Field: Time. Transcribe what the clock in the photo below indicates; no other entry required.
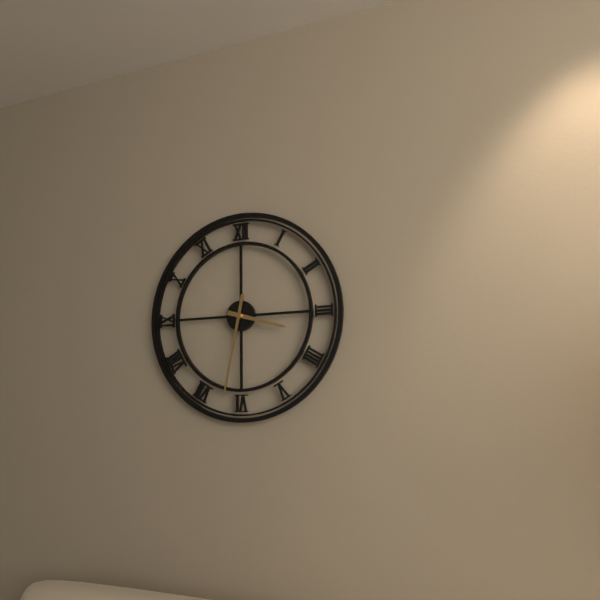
3:32
